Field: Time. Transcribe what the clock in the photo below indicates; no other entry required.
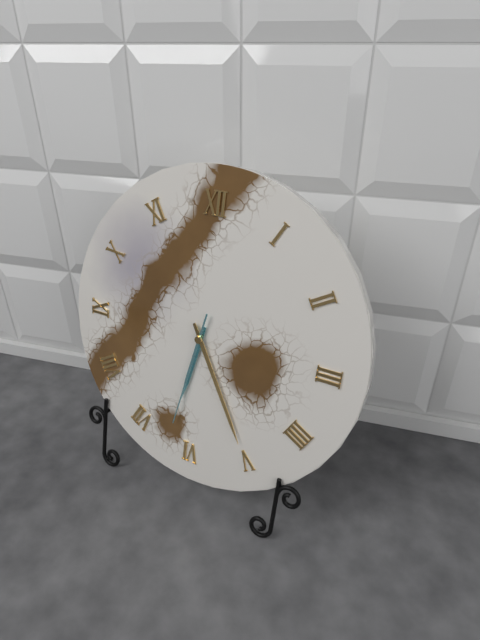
6:25:32
